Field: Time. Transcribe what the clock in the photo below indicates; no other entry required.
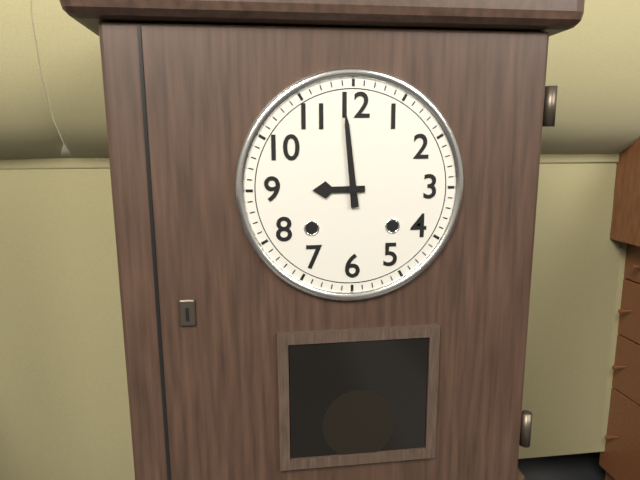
8:59
